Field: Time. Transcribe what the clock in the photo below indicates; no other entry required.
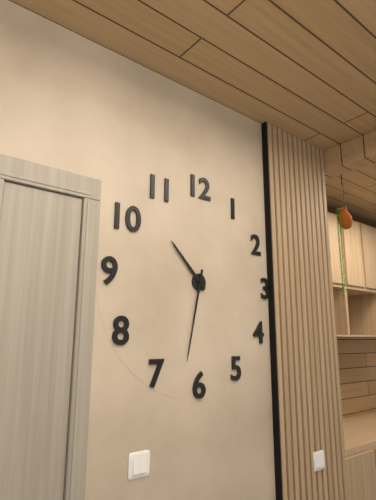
10:32
